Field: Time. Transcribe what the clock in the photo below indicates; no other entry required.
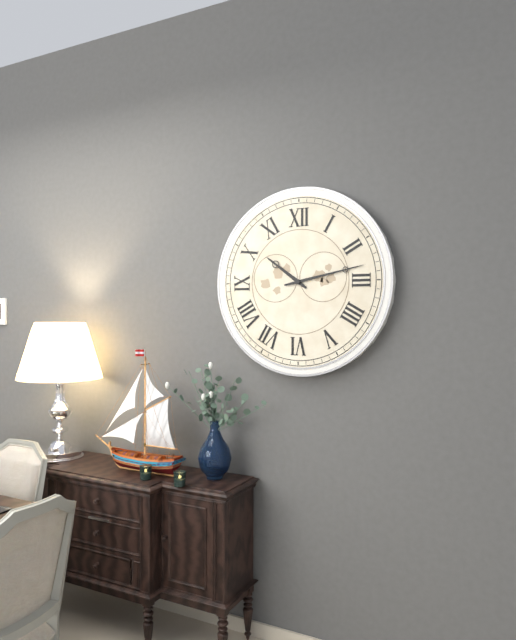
10:13
